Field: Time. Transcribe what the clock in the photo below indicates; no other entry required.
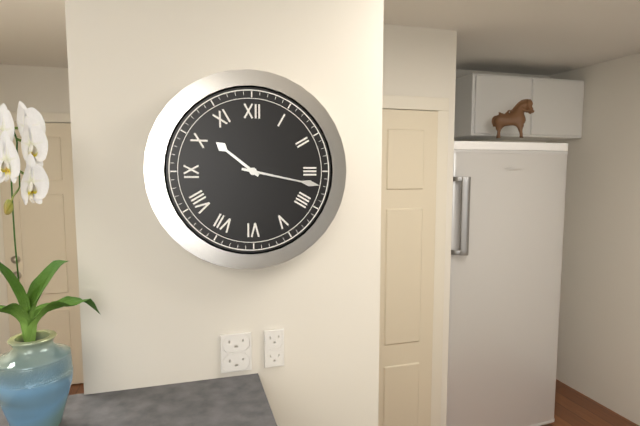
10:17
